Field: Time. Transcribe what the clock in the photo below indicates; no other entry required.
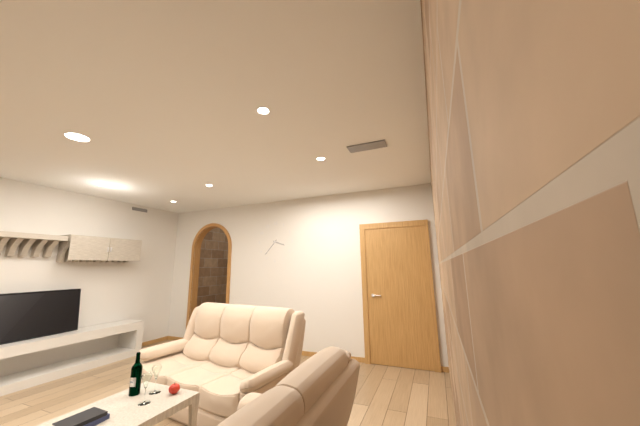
3:37
